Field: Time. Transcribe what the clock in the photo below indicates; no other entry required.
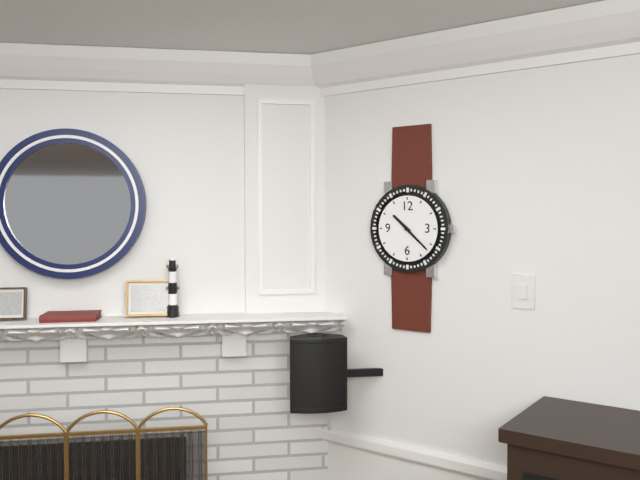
10:22
